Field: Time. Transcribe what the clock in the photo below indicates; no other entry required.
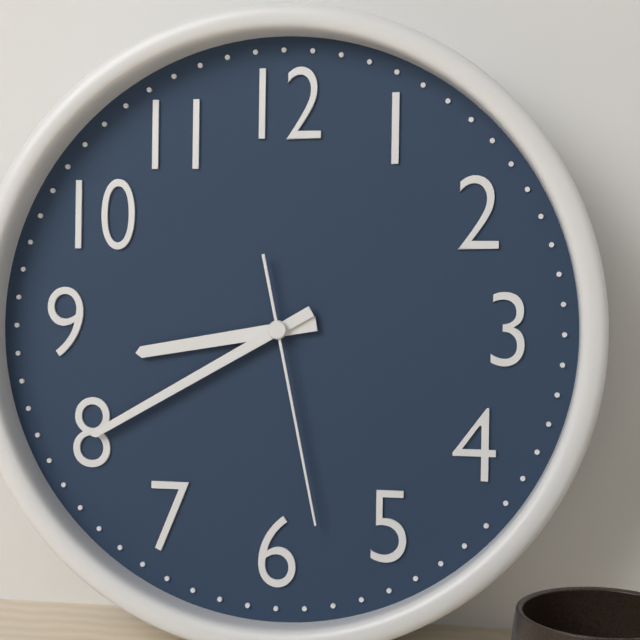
8:40:28
